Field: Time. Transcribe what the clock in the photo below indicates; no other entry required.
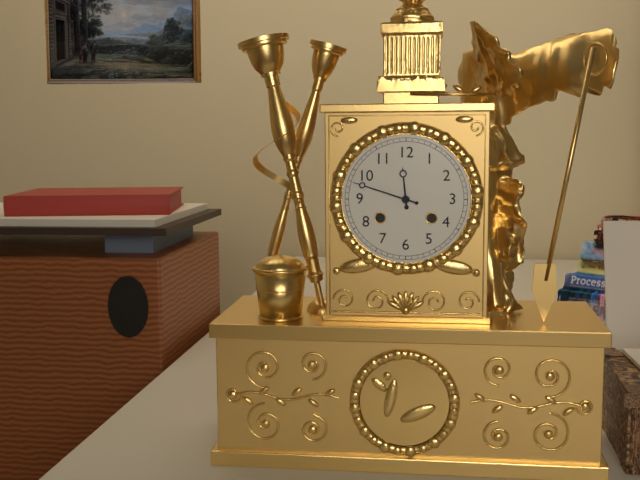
11:48
